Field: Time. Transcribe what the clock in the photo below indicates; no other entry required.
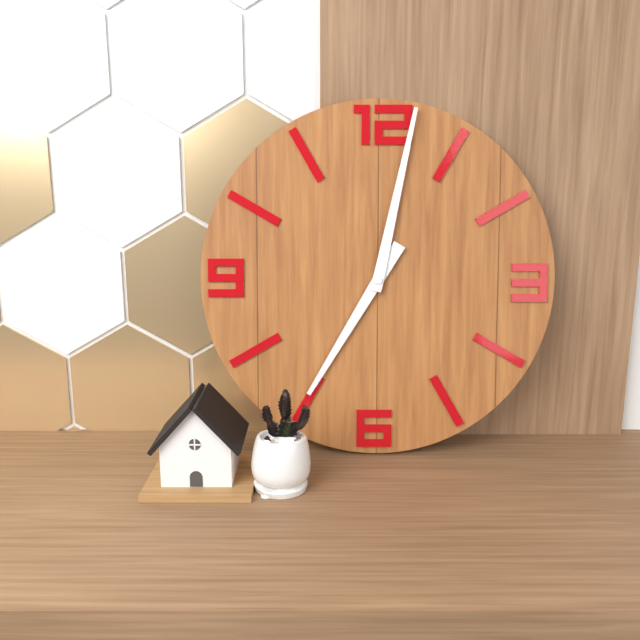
7:02
